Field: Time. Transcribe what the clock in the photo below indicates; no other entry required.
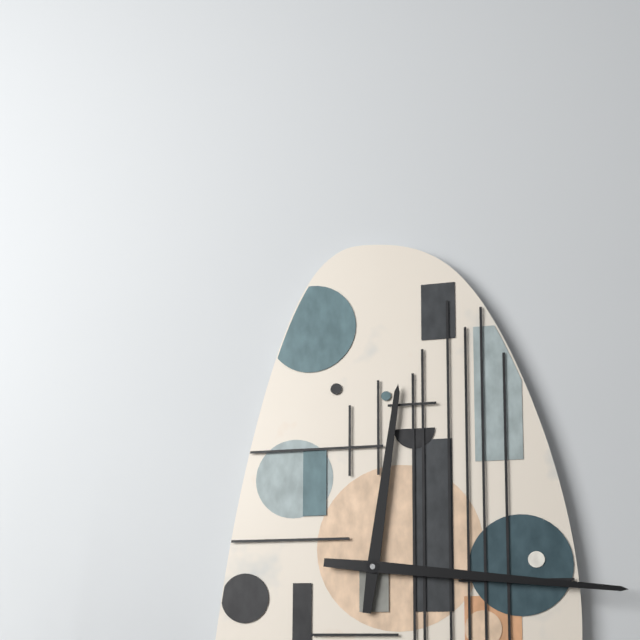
12:16
